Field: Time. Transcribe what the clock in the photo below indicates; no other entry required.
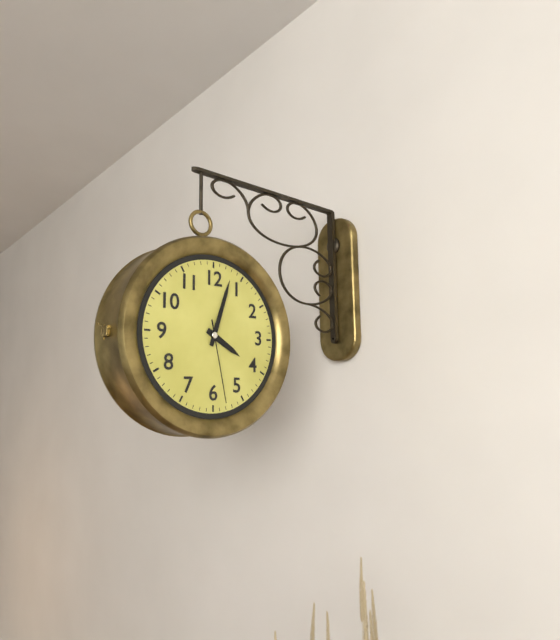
4:03:28
